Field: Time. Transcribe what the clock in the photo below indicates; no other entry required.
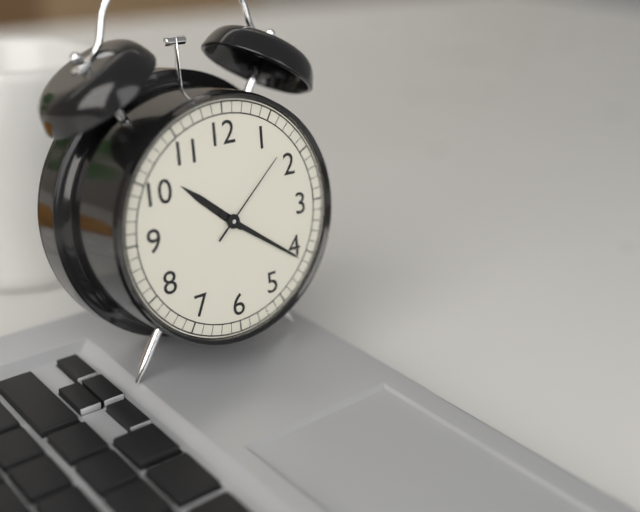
10:21:08
